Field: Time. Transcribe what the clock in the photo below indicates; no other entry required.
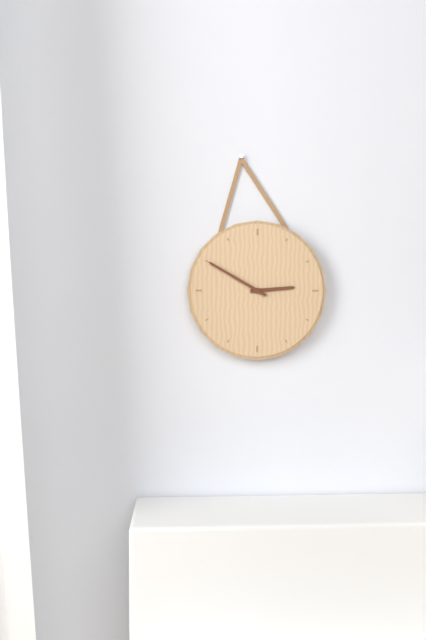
2:50
